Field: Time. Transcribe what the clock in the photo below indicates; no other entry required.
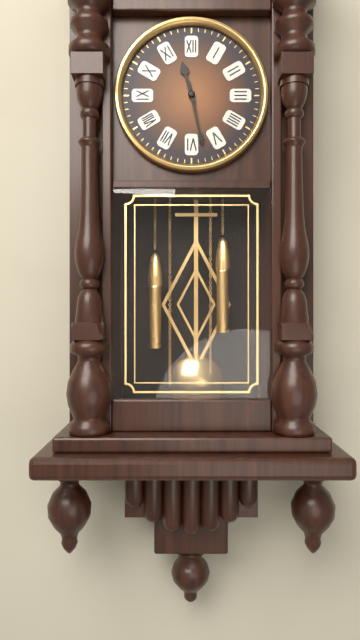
11:28
